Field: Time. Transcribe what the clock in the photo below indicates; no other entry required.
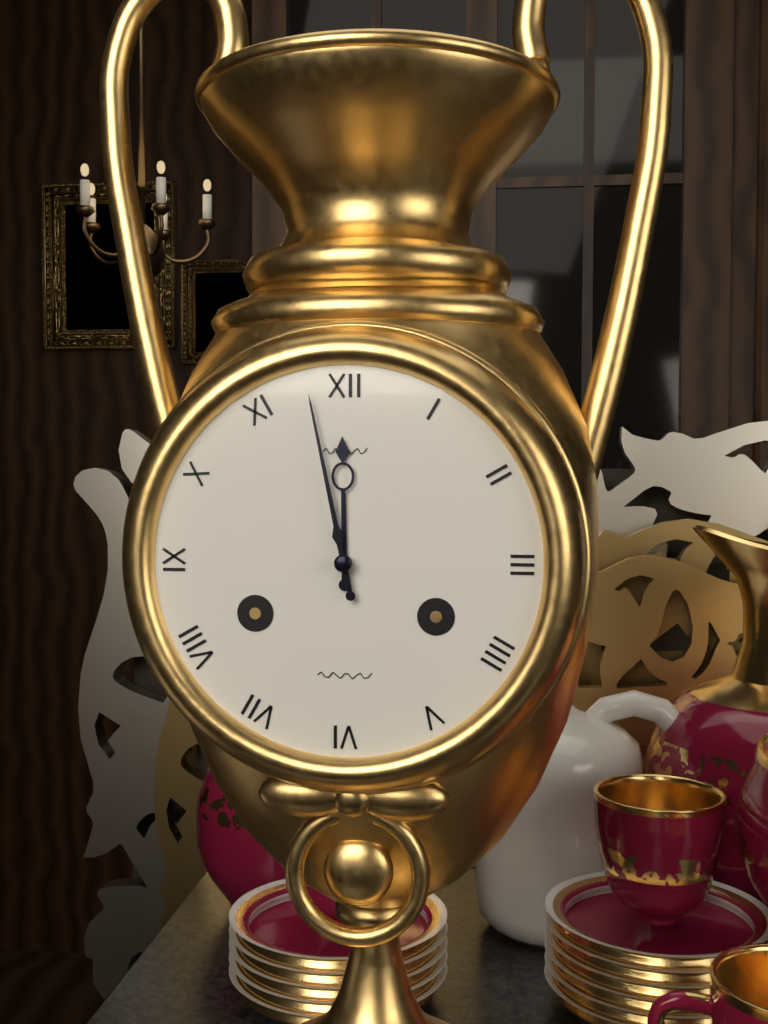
11:58
